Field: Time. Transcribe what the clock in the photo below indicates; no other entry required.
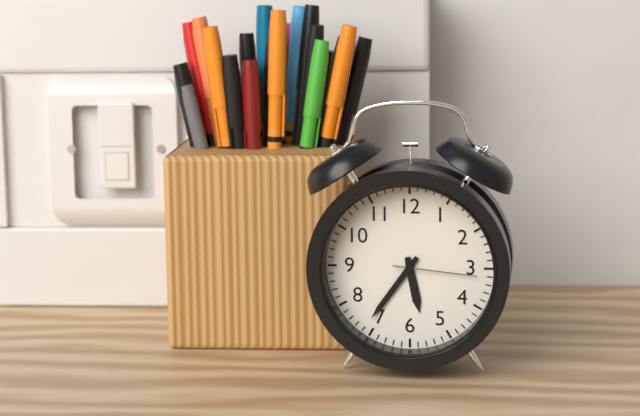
5:36:16
